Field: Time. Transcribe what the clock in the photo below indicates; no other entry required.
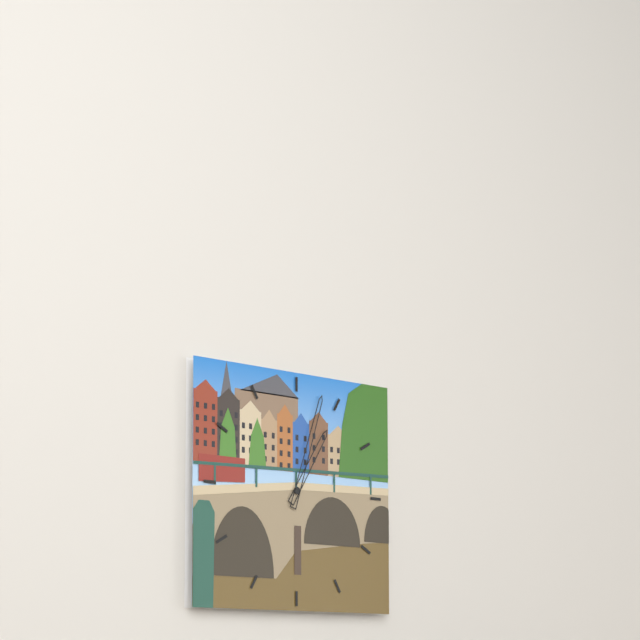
1:03
